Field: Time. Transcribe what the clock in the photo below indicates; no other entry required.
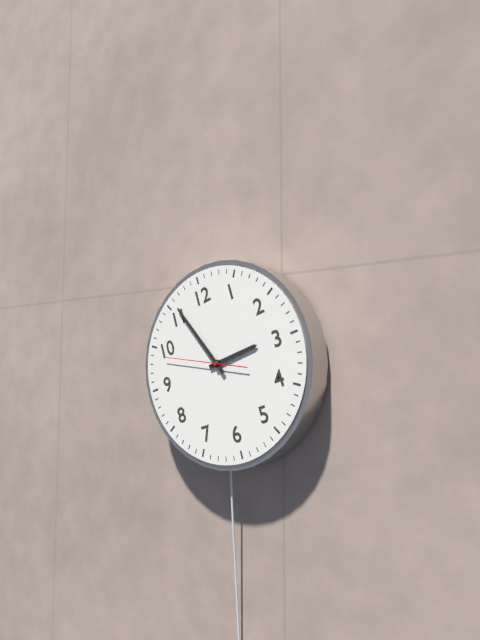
2:56:49
